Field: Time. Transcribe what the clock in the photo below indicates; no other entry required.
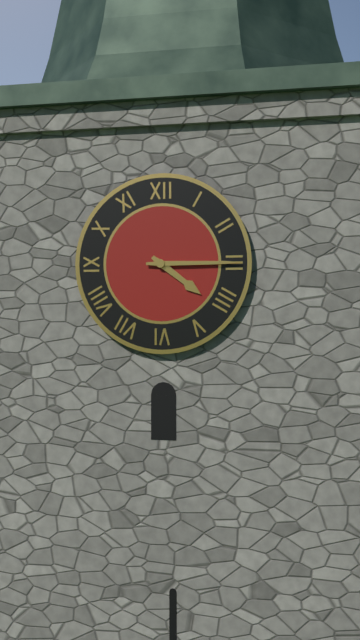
4:15
